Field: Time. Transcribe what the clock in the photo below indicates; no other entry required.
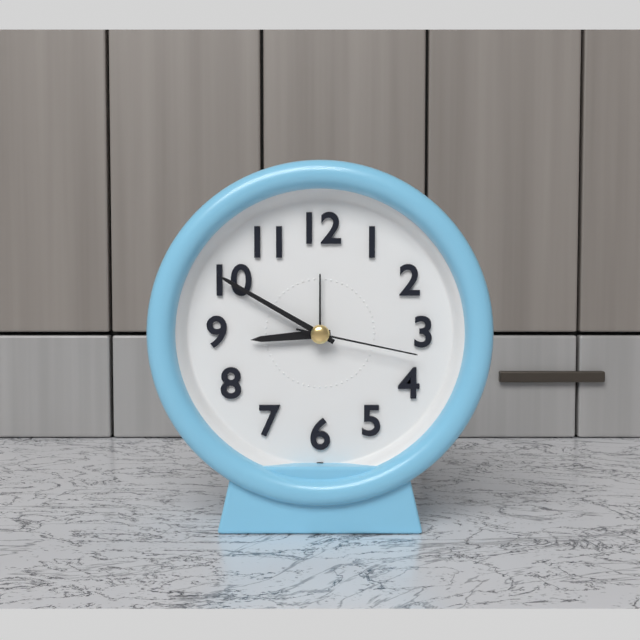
8:50:17
